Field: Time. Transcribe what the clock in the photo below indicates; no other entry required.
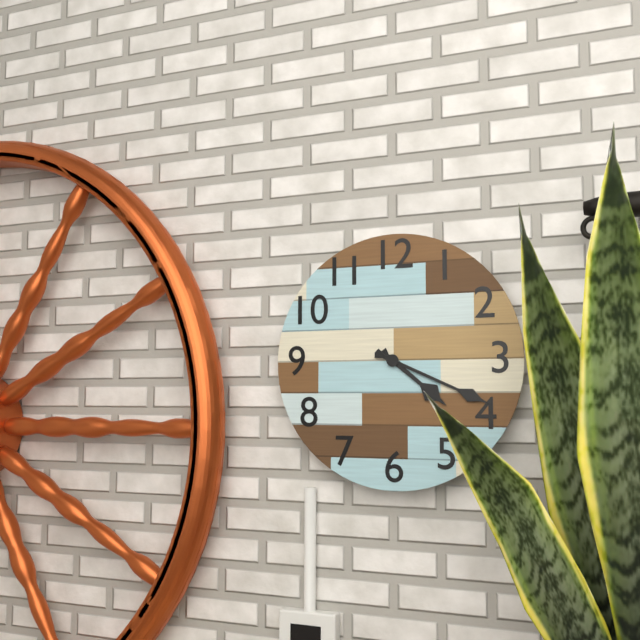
4:19
